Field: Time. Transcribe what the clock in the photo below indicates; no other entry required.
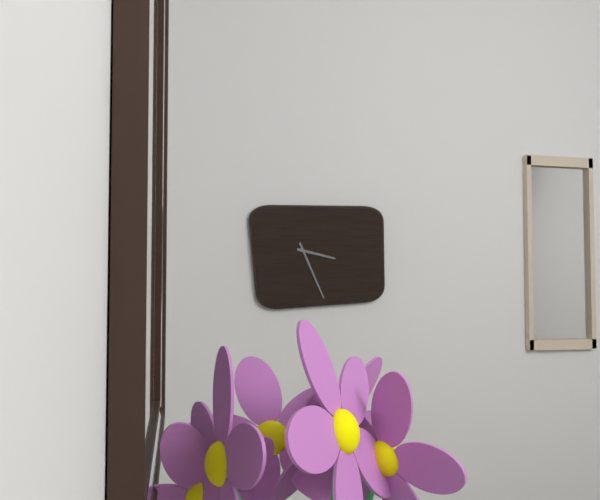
3:26
